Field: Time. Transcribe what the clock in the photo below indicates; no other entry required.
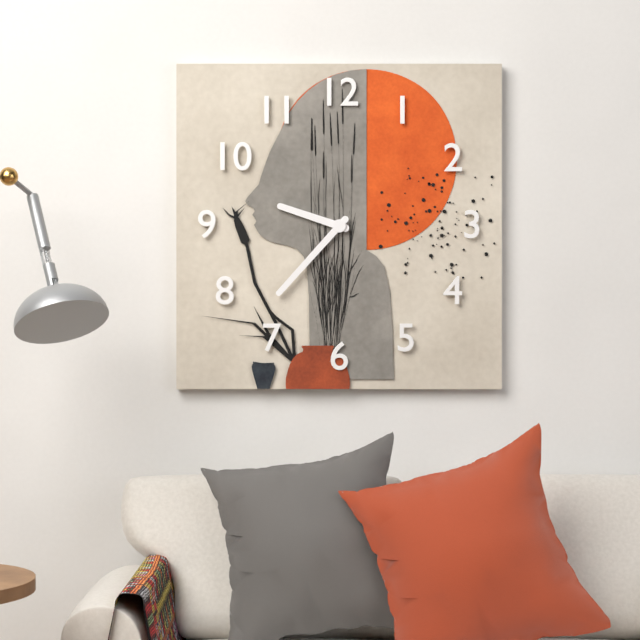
9:37
